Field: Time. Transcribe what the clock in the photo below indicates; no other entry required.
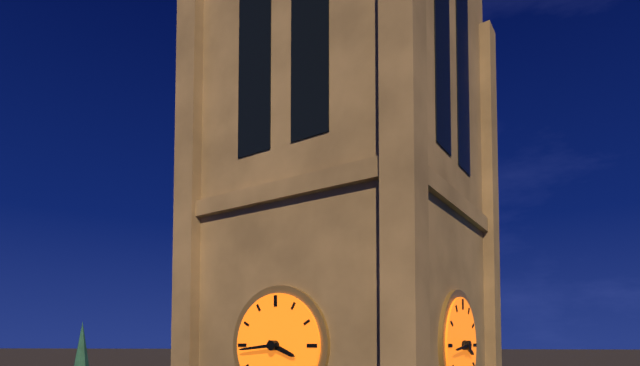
3:44
